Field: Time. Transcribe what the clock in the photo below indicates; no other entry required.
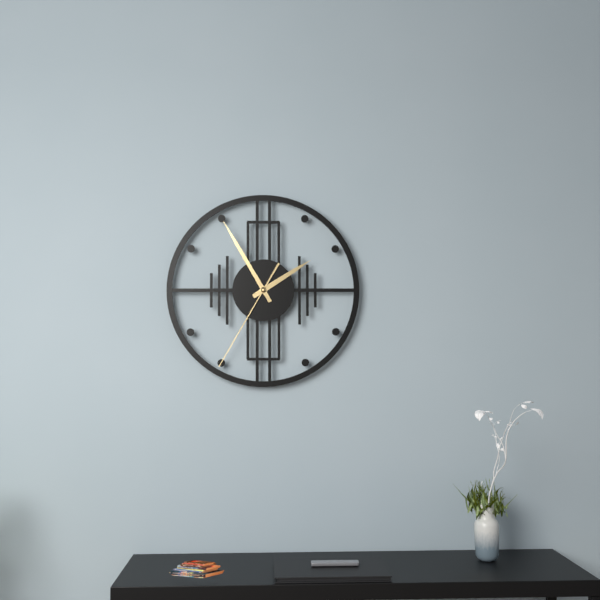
1:55:35
